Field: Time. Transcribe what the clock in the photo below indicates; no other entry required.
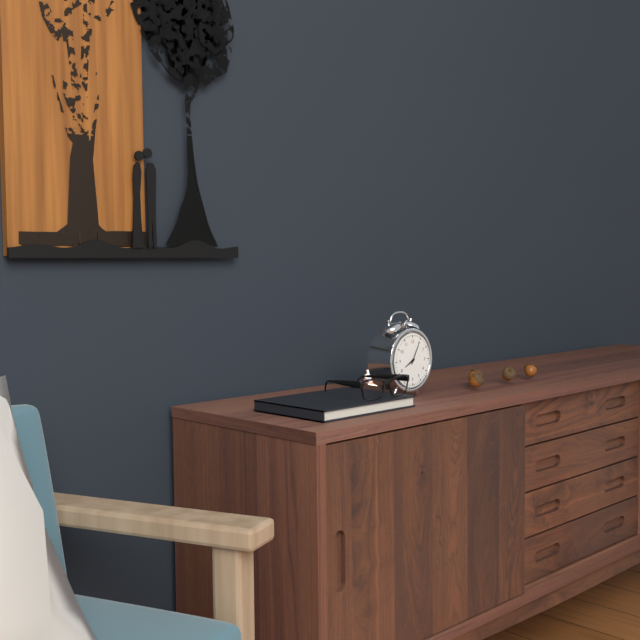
8:05
